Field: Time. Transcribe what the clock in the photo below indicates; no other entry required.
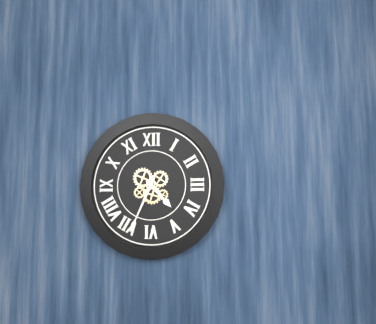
4:34
